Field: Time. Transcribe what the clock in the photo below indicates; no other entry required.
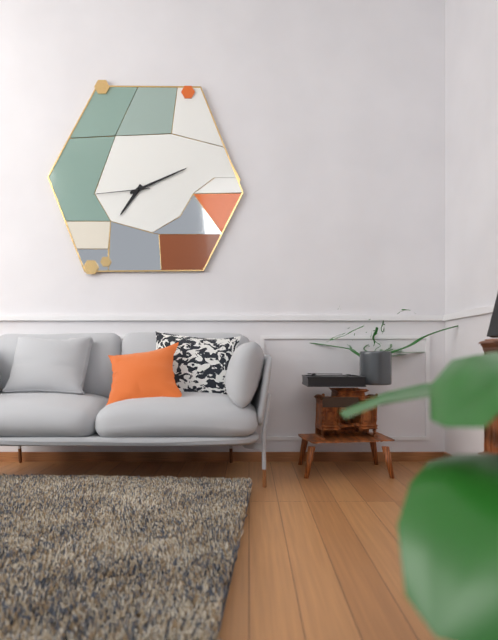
7:11:44
